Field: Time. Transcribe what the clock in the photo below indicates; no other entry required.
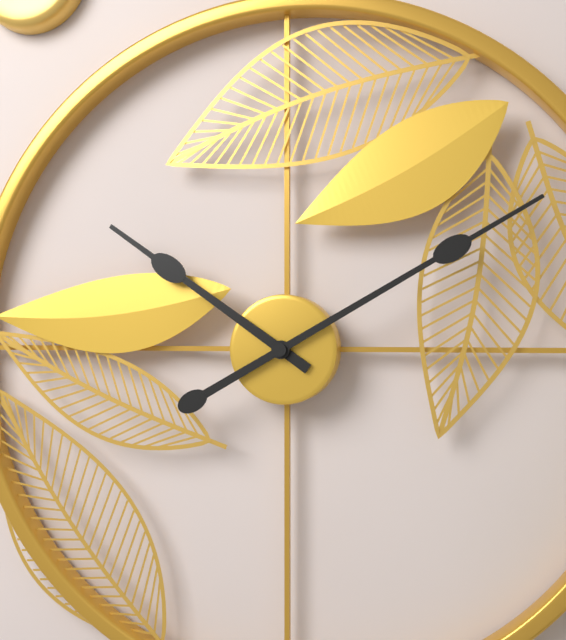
10:10
